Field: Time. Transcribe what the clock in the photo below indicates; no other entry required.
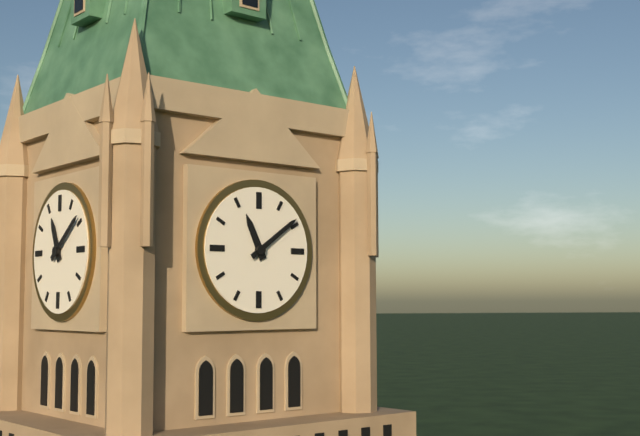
11:09
